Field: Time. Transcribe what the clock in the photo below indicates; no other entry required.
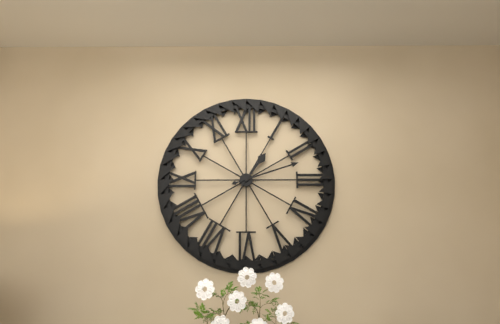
1:12
